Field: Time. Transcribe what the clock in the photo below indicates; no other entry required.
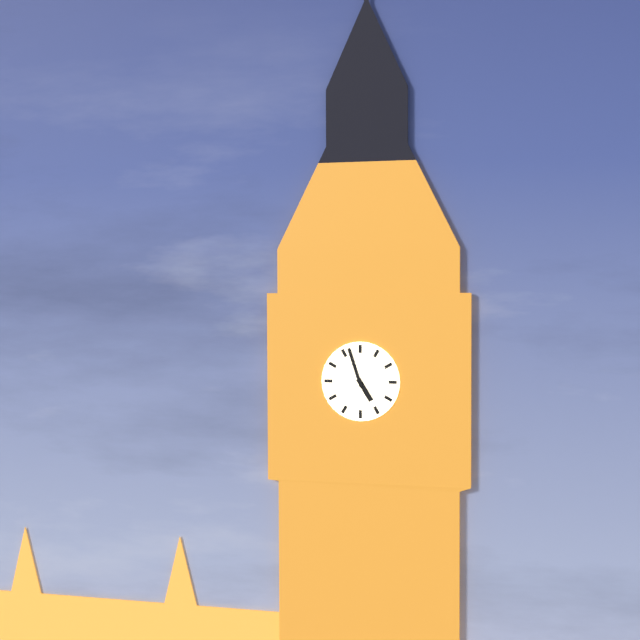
4:57
